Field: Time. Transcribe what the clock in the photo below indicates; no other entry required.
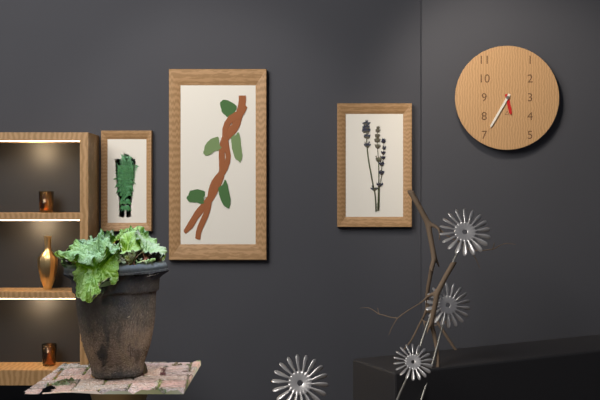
5:35
